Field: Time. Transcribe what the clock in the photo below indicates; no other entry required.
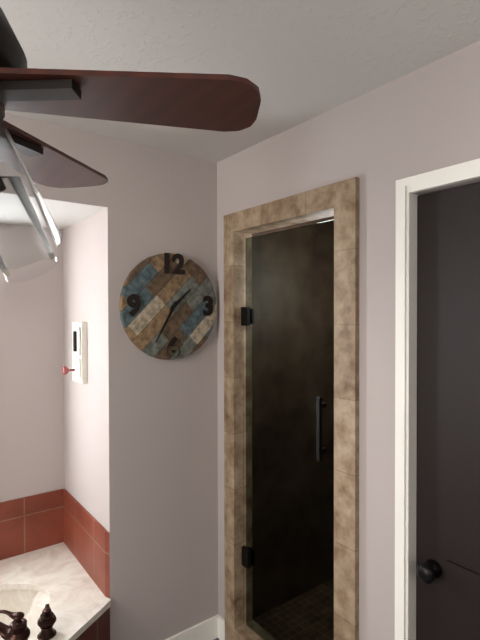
1:35
